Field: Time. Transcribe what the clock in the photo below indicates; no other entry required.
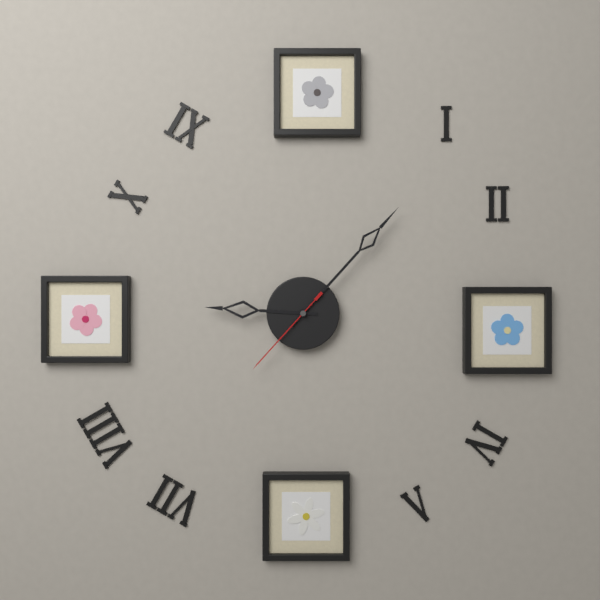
9:07:37
